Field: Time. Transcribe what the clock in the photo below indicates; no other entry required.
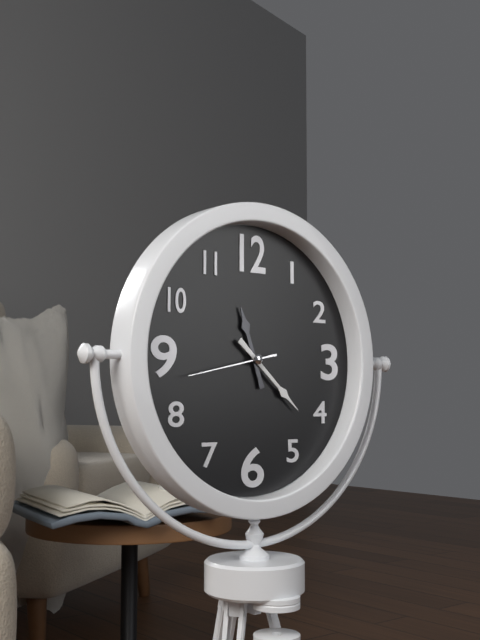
11:22:43
